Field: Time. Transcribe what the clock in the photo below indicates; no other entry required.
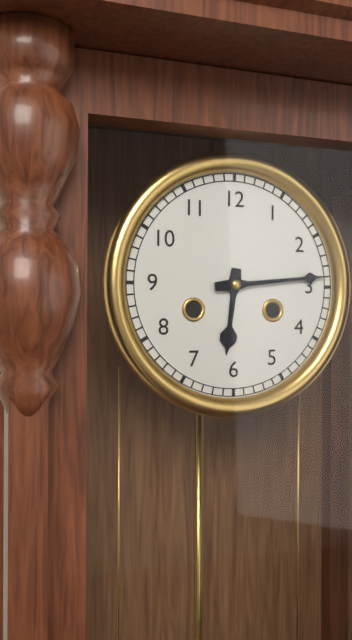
6:14
